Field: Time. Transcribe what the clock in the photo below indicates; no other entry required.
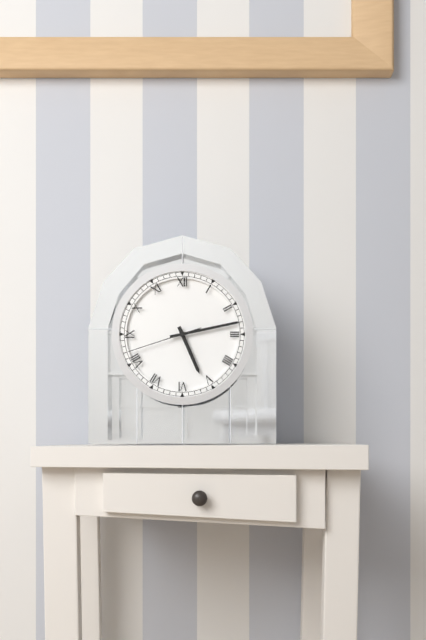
5:13:42
